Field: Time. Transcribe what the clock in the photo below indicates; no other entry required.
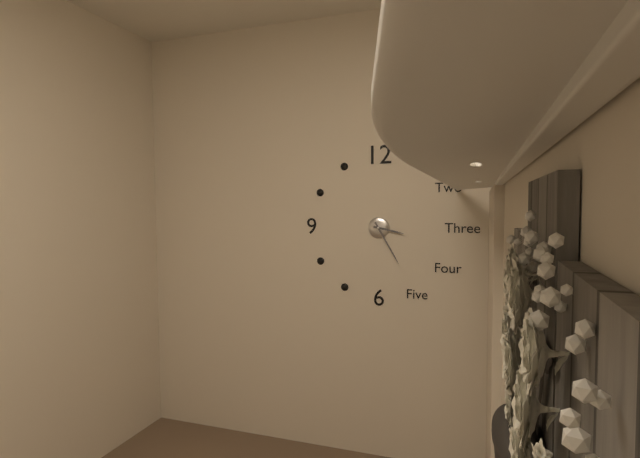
3:25
